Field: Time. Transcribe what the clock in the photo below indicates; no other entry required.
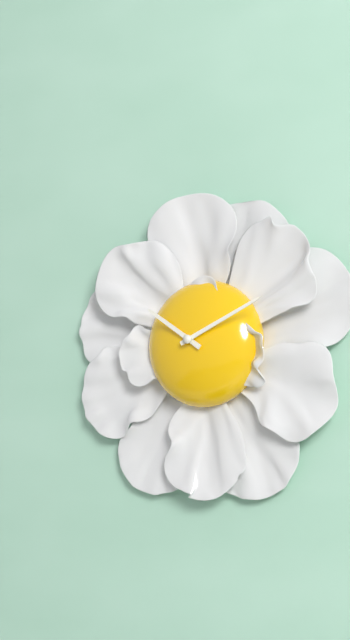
10:11
